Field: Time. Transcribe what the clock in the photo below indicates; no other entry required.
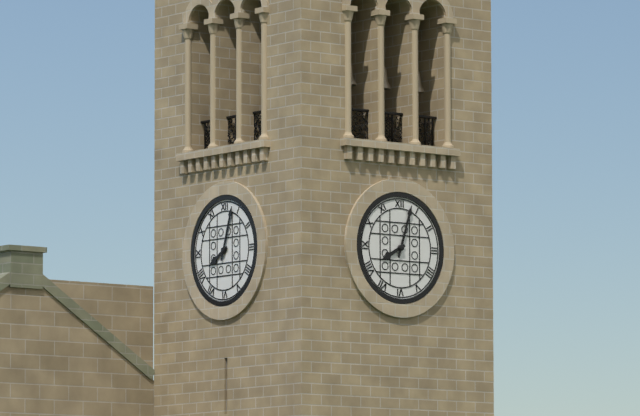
8:03
